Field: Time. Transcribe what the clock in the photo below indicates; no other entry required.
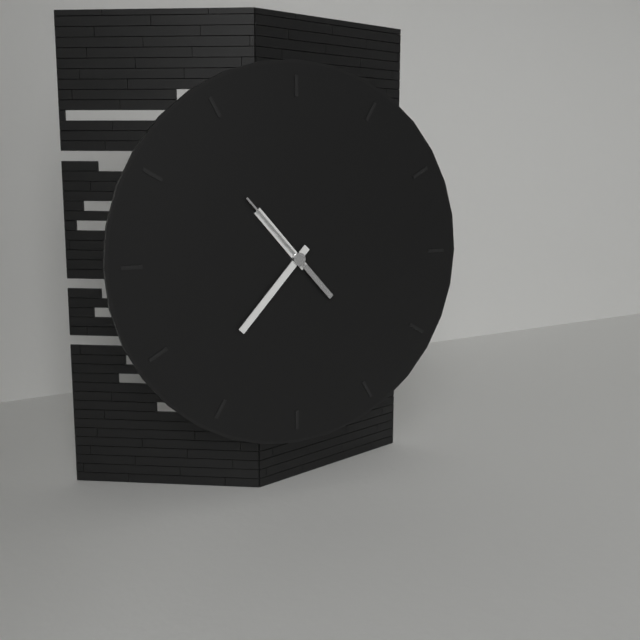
10:37:53
